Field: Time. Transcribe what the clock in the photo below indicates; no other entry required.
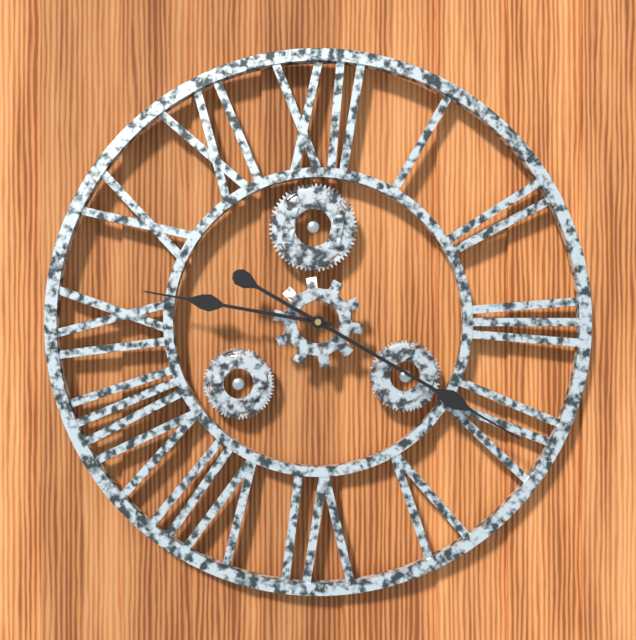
9:20
